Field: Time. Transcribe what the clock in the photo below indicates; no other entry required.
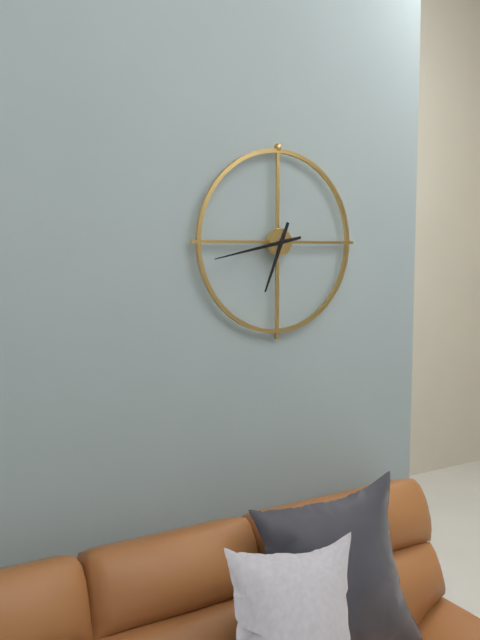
6:43
